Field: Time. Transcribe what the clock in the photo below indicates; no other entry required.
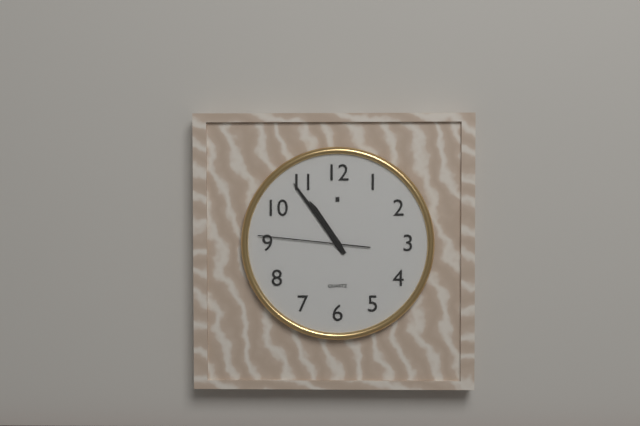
10:54:46
